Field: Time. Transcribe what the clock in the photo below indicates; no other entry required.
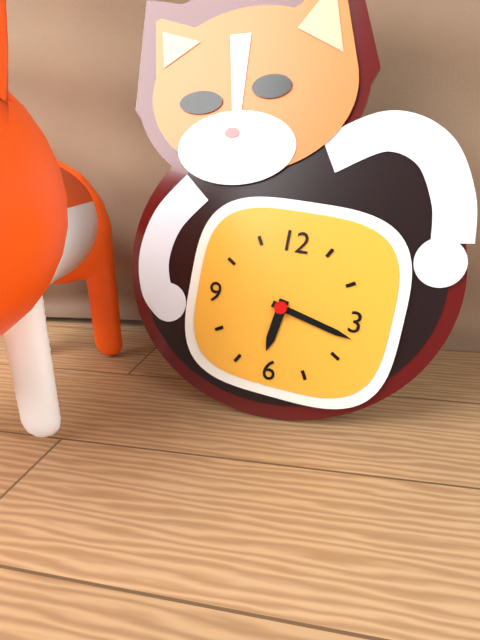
6:17
